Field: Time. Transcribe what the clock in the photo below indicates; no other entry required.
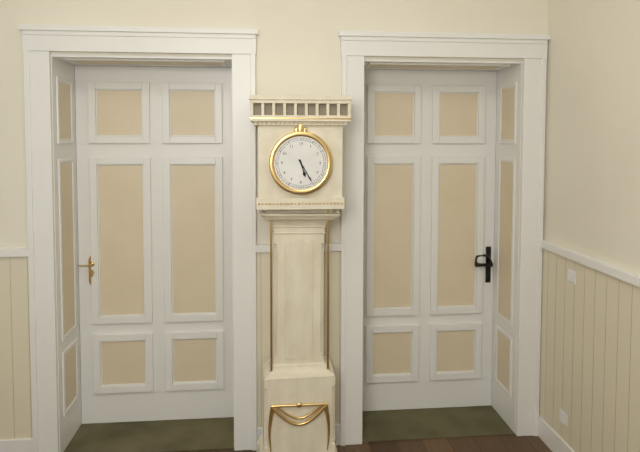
5:25
